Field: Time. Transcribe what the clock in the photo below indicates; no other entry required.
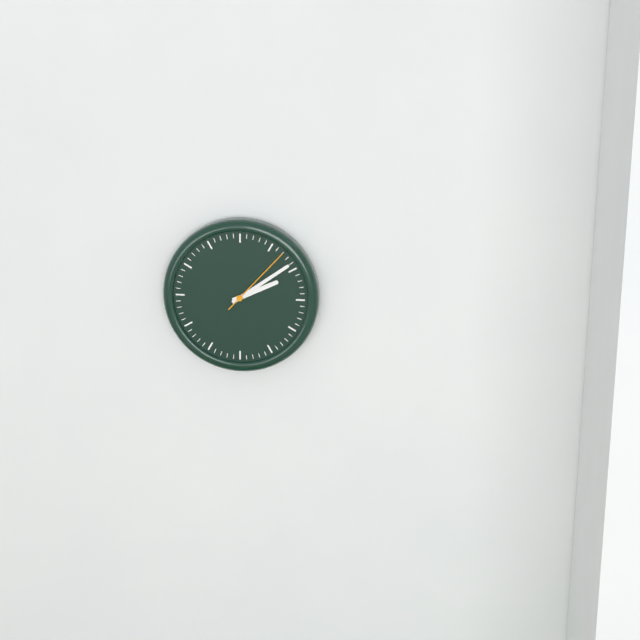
2:09:07
